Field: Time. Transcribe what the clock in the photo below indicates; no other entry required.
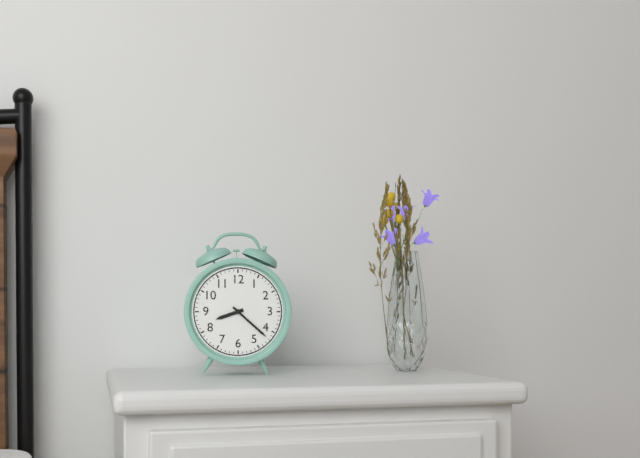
8:22
